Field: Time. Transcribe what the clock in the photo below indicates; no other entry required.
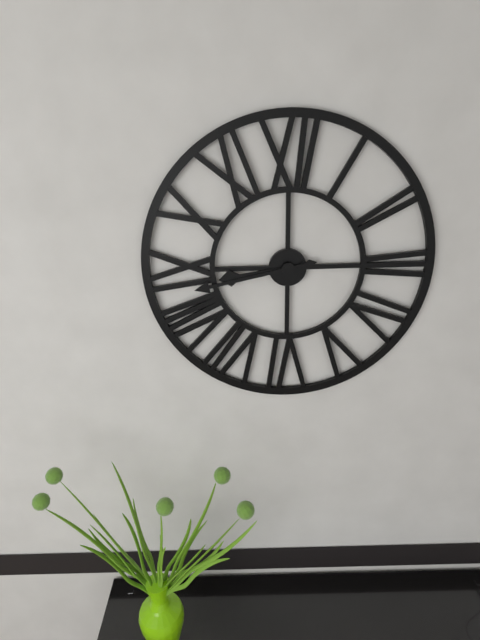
8:43
